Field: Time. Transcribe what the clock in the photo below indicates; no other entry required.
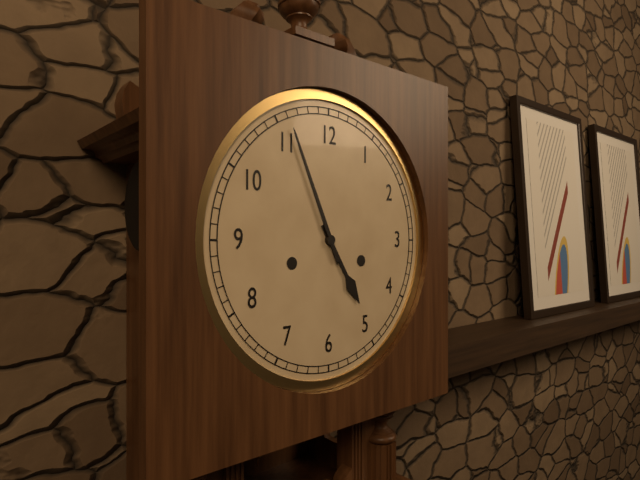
4:56
